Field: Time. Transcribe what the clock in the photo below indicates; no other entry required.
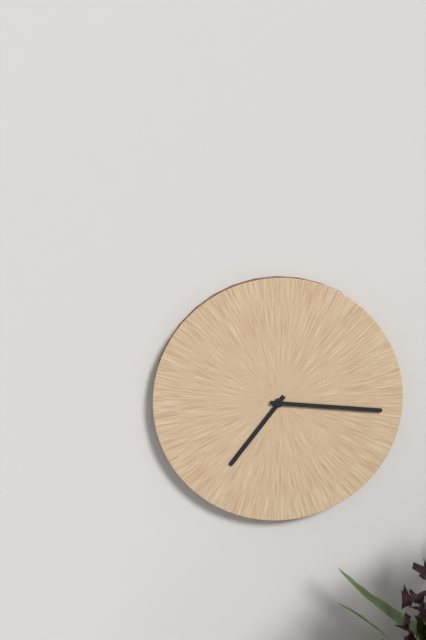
7:16
